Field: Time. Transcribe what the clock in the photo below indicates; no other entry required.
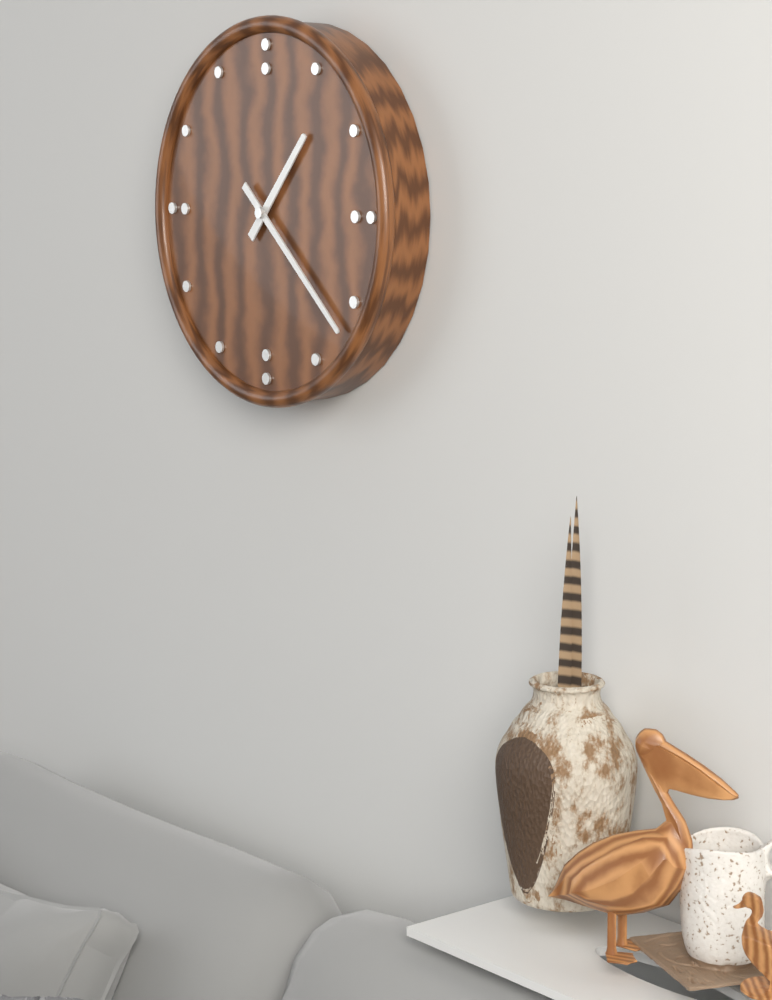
1:22
